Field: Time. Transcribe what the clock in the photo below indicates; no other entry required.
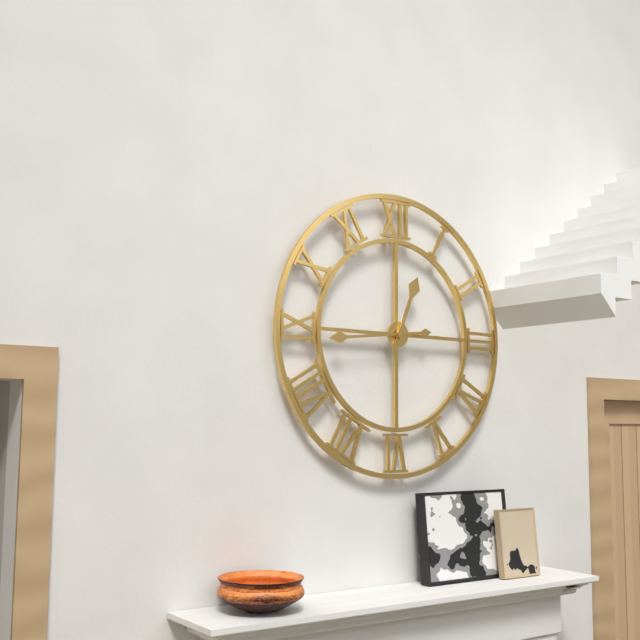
12:44
